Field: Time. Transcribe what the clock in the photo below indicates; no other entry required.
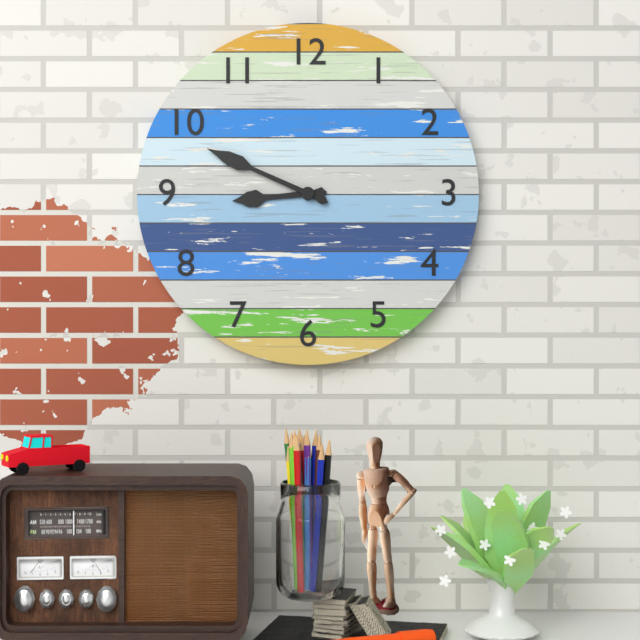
8:49
